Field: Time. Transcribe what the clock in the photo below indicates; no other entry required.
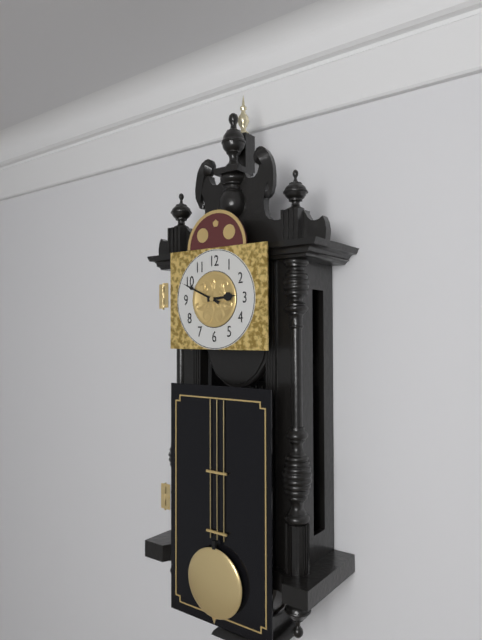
2:49
